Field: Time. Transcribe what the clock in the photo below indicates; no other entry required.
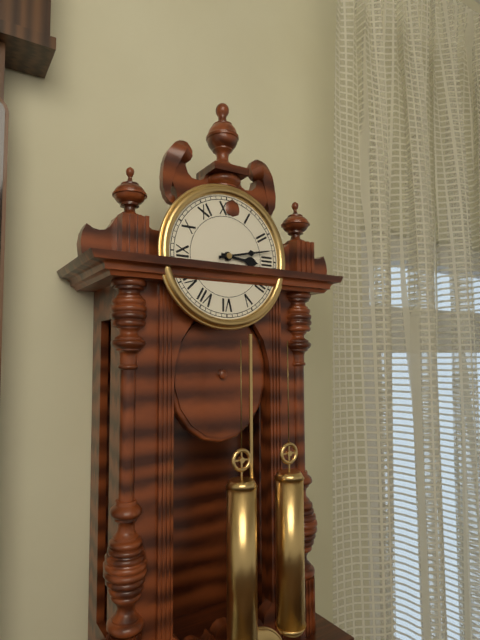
3:13
